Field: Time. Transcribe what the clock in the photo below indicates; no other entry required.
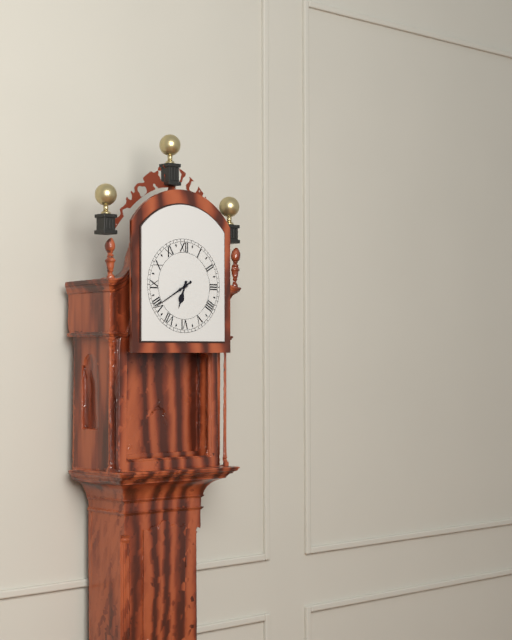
6:40
